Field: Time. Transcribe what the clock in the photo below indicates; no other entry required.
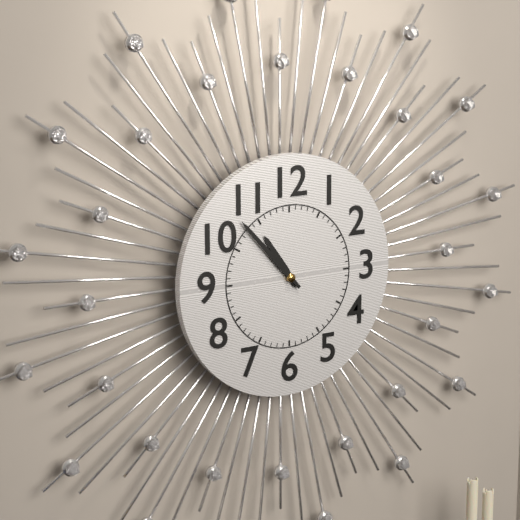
10:53
